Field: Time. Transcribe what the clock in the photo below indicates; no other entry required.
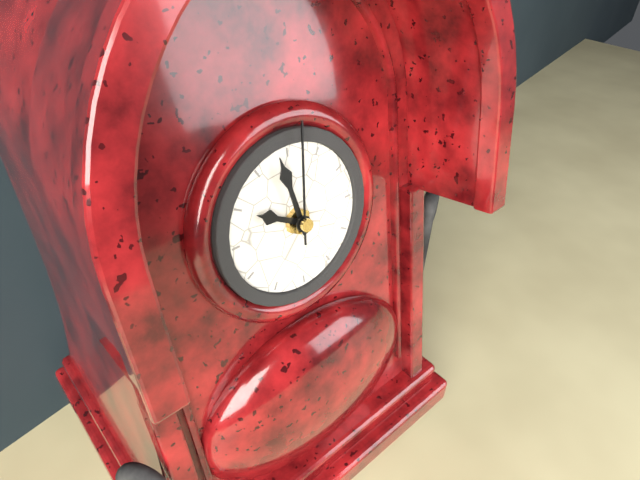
9:58:01
